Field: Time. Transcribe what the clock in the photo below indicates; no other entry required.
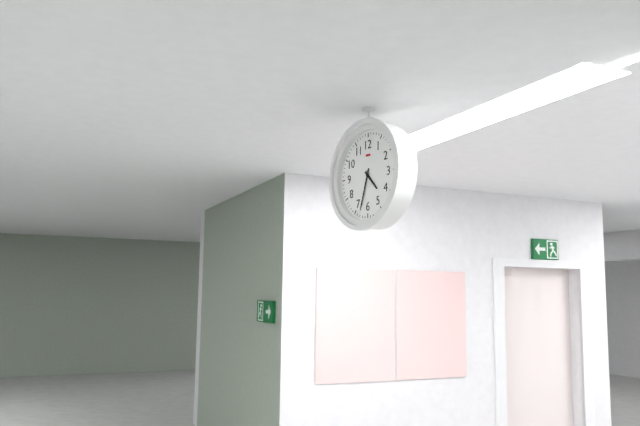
4:33
